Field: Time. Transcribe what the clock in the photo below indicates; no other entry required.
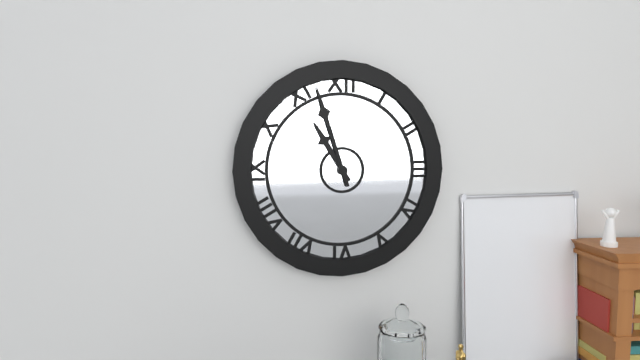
10:57
